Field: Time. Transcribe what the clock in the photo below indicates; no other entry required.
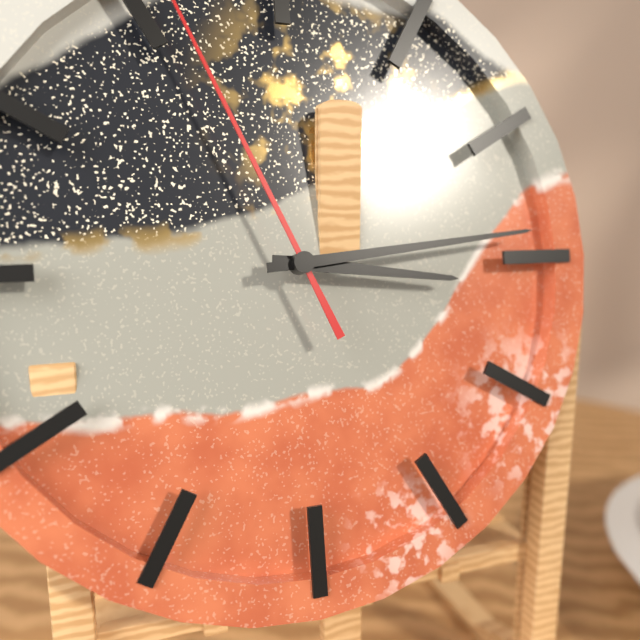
3:14
